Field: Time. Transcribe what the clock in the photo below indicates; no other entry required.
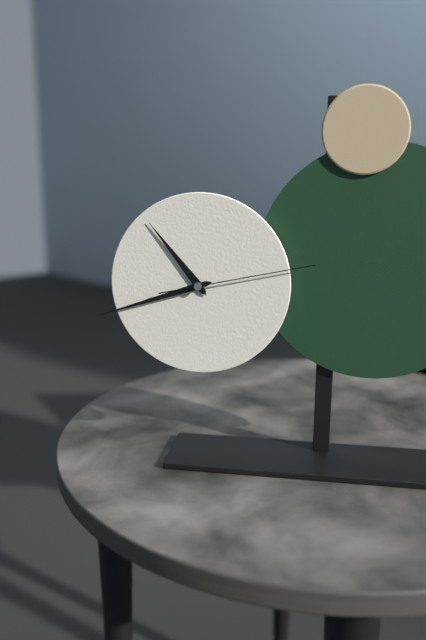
10:42:13
